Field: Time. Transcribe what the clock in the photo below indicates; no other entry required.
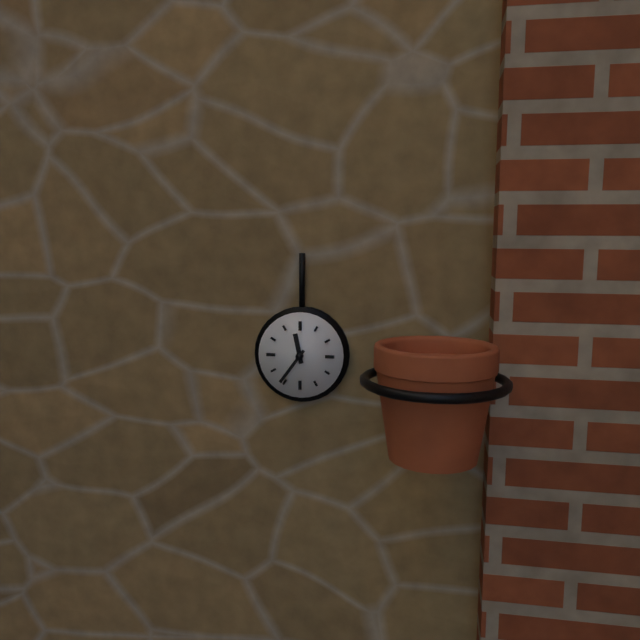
11:36
